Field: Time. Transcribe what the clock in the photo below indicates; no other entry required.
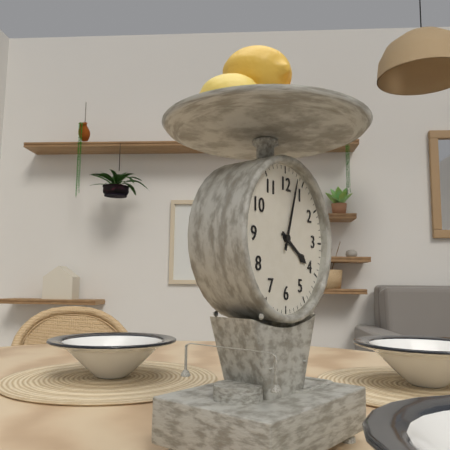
4:03
